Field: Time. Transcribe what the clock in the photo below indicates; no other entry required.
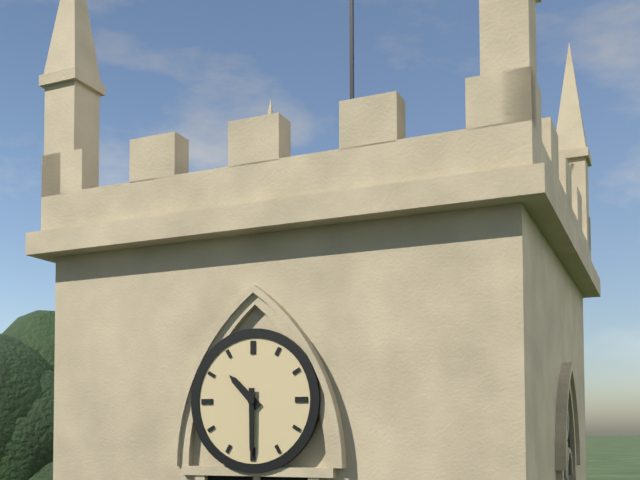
10:30
